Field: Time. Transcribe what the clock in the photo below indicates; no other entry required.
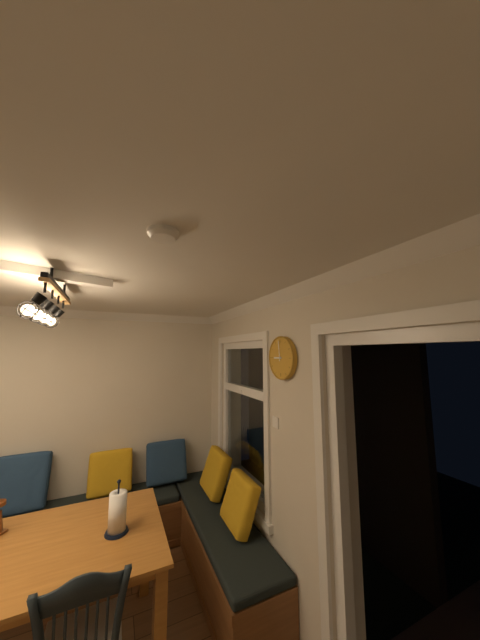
8:59
